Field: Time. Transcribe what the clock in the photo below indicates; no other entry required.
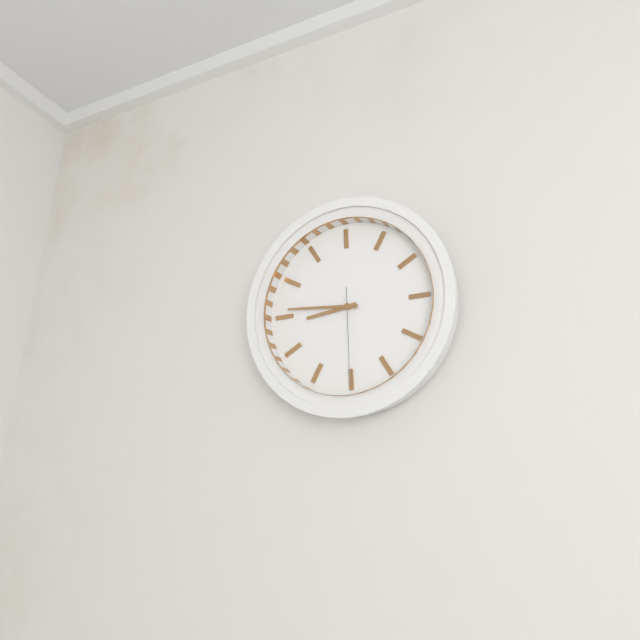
8:46:30
